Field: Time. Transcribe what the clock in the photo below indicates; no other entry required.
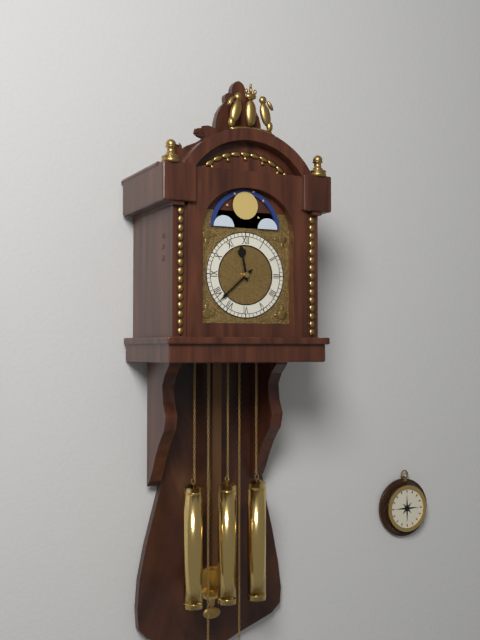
11:38
